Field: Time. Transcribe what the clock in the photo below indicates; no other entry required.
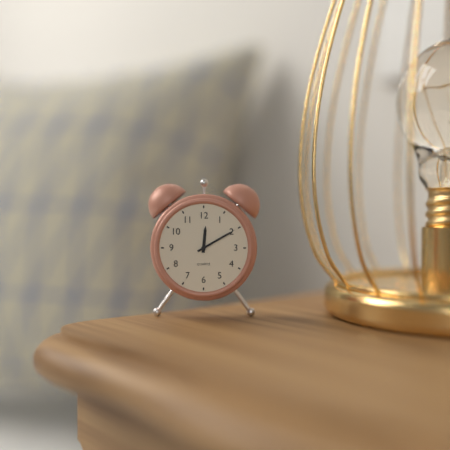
12:10
